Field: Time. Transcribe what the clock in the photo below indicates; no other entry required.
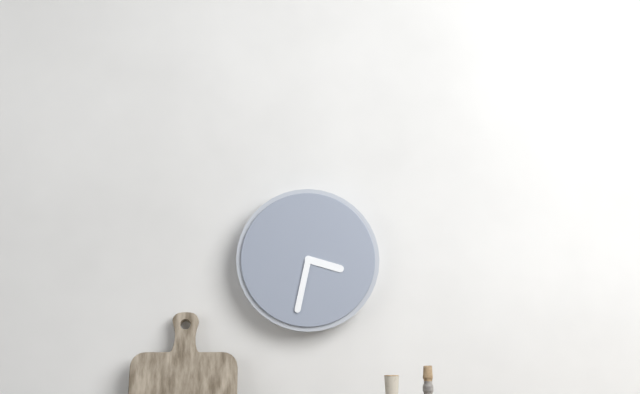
3:32
